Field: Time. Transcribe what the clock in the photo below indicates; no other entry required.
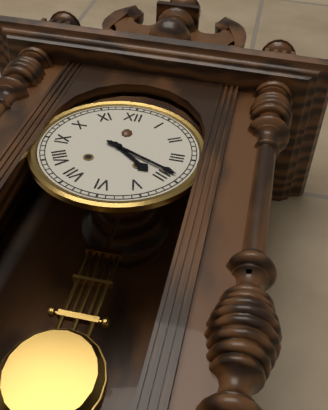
4:19
